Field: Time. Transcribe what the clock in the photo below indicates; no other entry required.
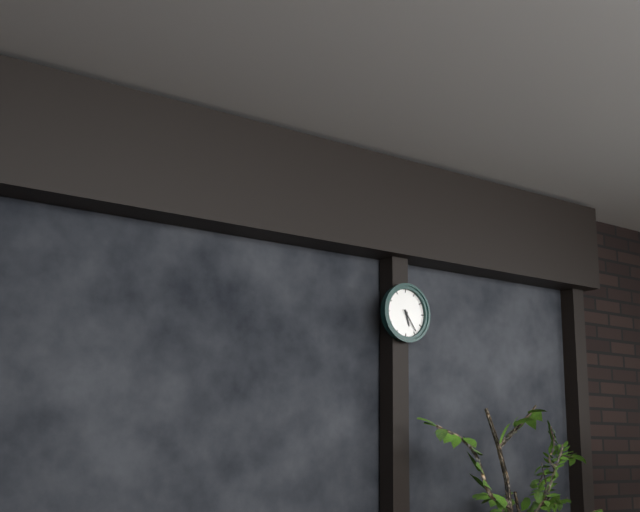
5:24
